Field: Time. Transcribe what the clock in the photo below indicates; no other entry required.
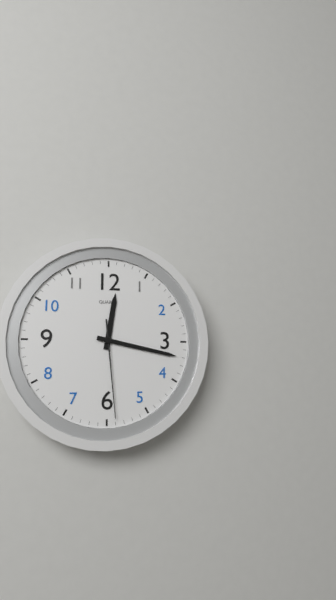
12:17:29
